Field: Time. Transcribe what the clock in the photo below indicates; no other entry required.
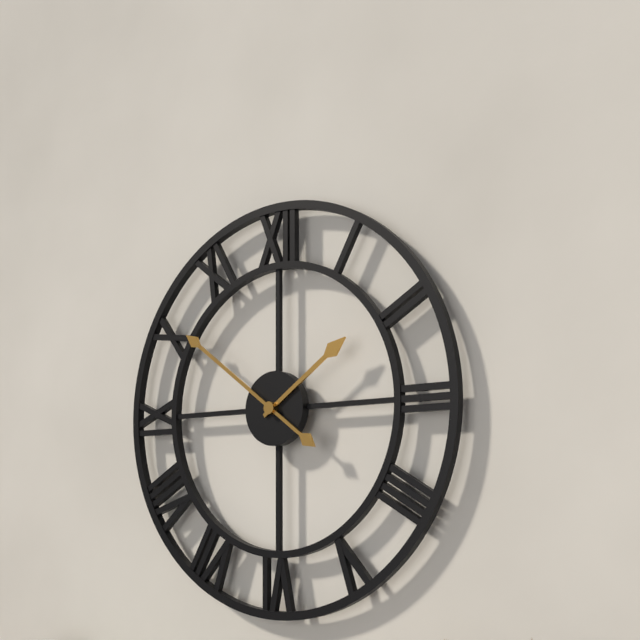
1:51
